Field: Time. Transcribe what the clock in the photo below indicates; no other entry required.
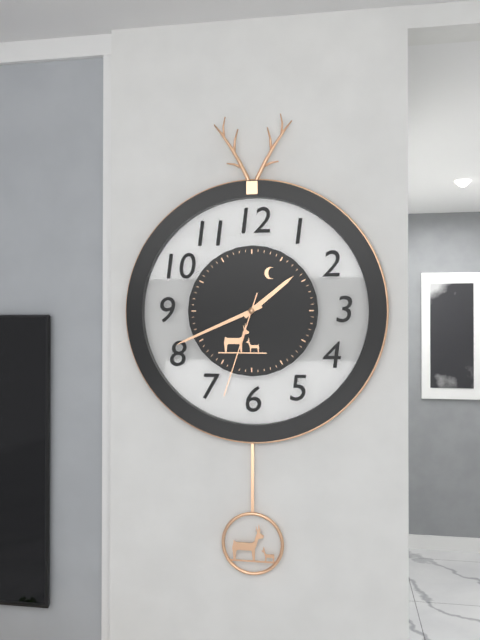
1:41:33
